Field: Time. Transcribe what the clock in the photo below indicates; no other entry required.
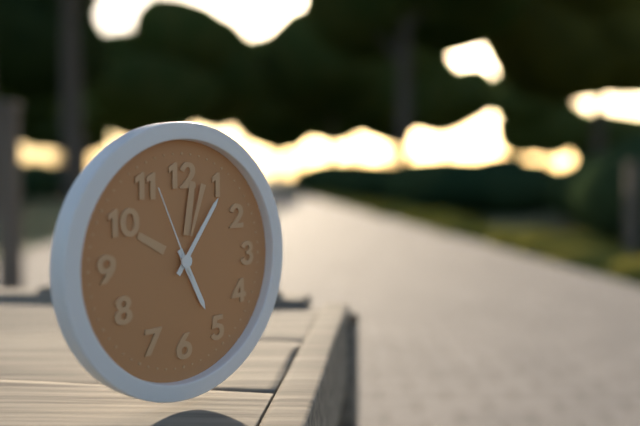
5:06:56
